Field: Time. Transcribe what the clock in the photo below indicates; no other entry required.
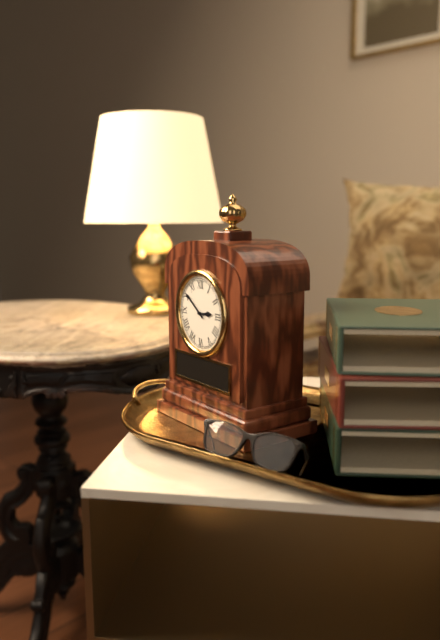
2:51
